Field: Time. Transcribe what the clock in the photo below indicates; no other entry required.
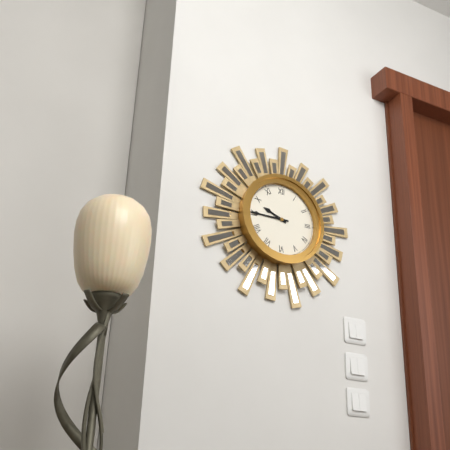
9:45
